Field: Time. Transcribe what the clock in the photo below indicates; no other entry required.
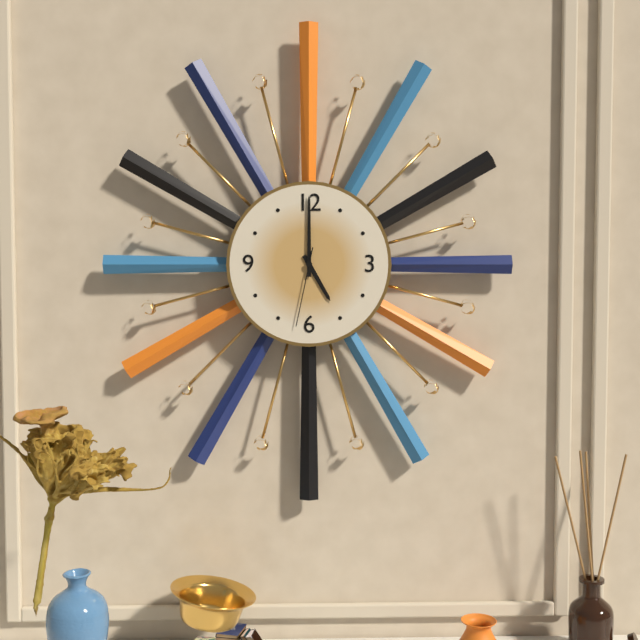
5:00:32
